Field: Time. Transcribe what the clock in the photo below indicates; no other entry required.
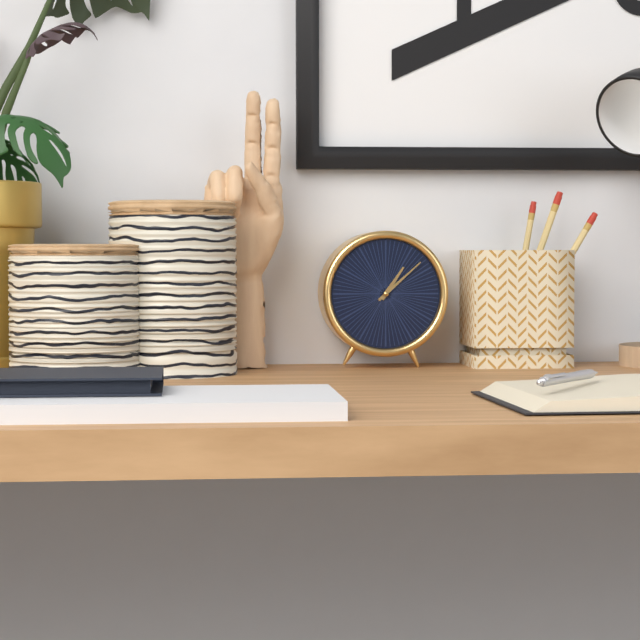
1:08
